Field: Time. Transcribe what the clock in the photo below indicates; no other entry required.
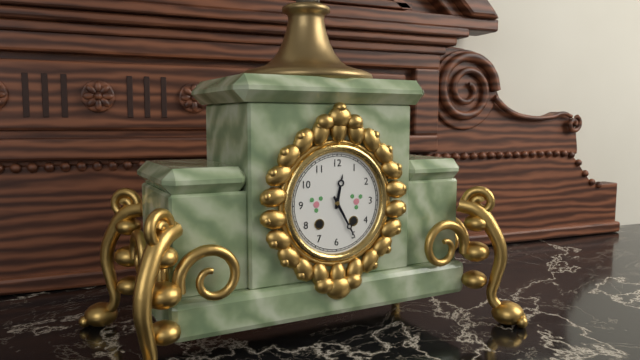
12:25
